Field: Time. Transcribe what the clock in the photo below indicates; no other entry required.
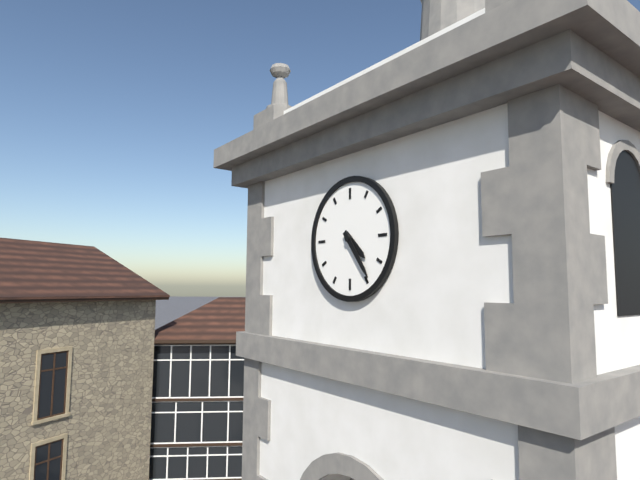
4:24
